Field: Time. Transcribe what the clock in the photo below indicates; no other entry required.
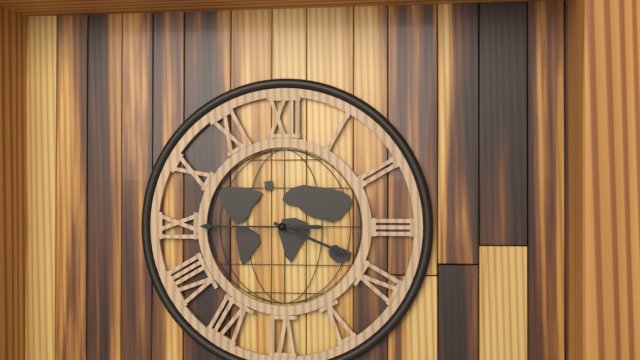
3:45
